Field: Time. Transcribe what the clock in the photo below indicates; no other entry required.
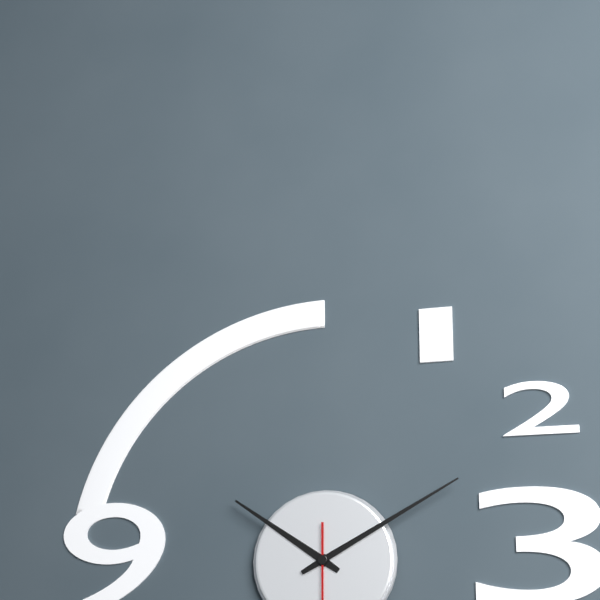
10:10
